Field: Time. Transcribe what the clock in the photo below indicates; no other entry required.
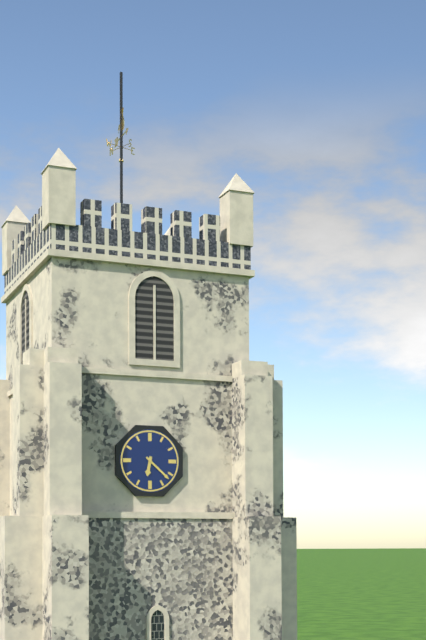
6:22
